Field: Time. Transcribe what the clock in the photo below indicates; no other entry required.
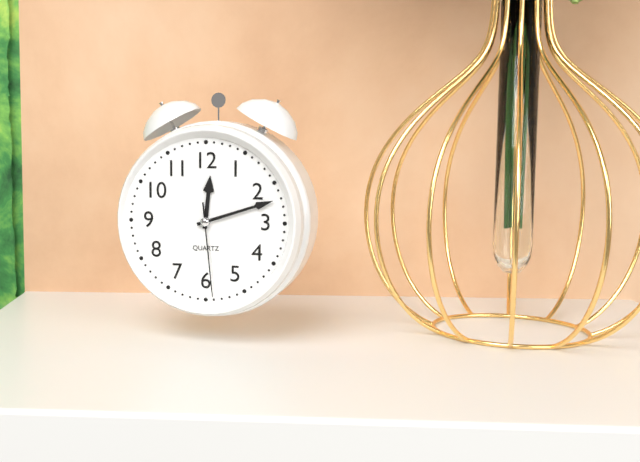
12:12:29
